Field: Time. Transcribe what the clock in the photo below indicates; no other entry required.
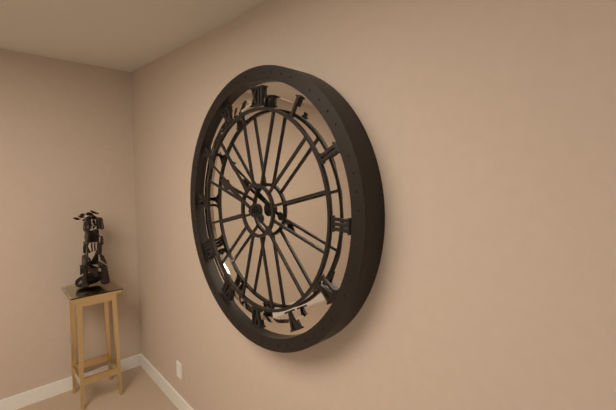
9:50
